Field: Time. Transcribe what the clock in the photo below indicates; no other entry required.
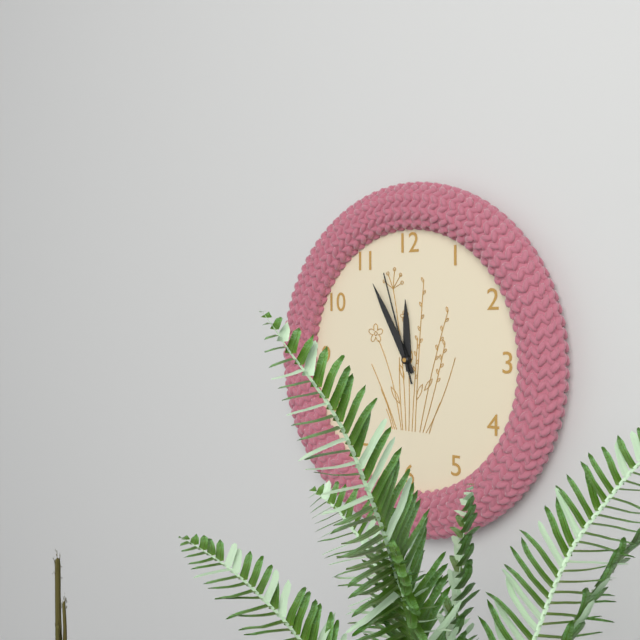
11:55:57
